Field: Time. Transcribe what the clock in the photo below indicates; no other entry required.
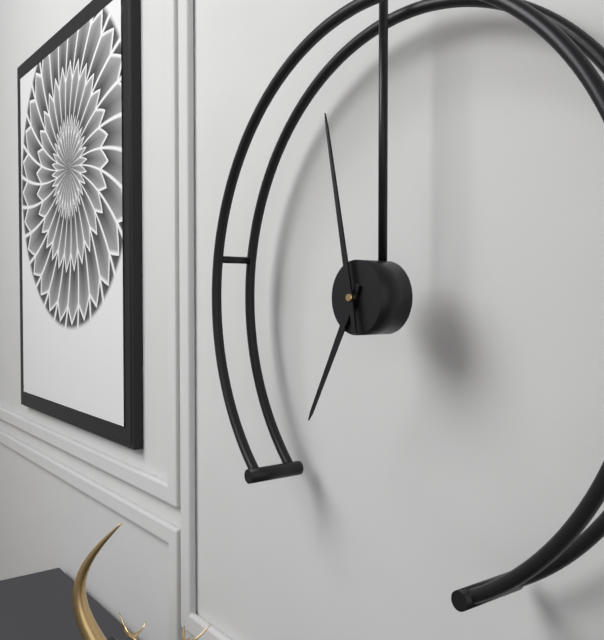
6:58
